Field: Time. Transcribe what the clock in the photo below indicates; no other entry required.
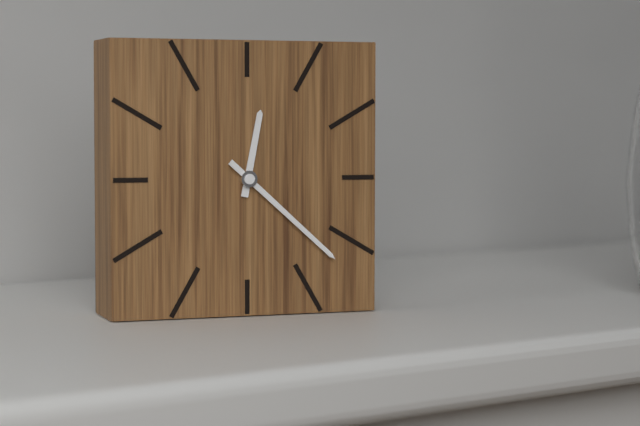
12:22
